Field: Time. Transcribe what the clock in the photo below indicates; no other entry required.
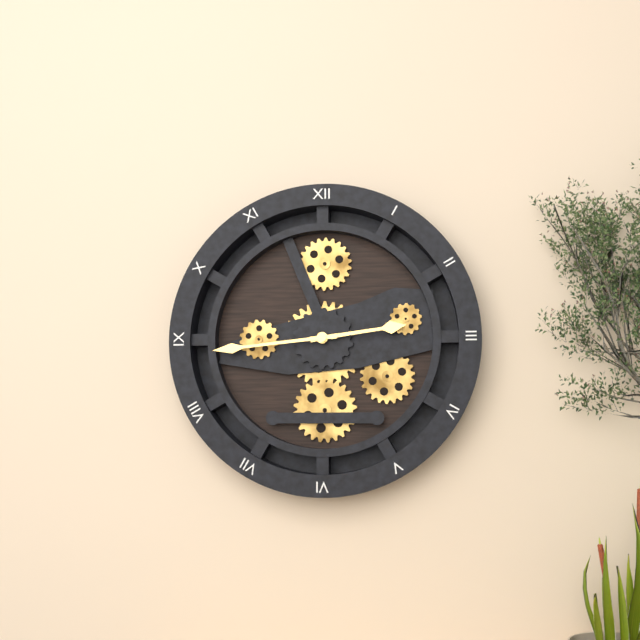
2:44
